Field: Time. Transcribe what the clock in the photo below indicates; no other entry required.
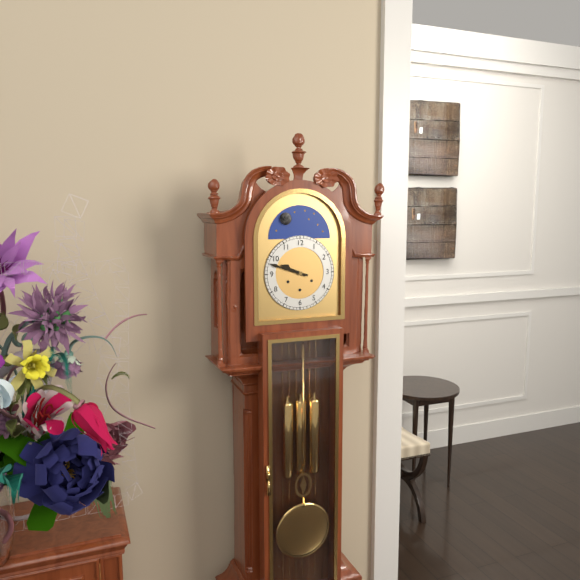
9:48
